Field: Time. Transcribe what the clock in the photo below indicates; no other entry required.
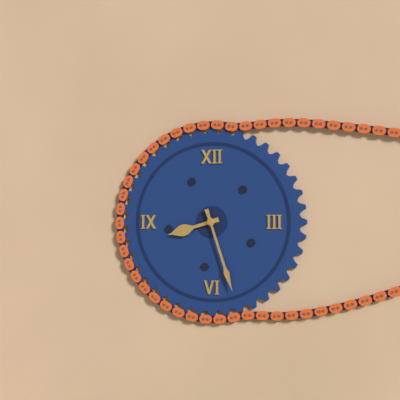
8:27
